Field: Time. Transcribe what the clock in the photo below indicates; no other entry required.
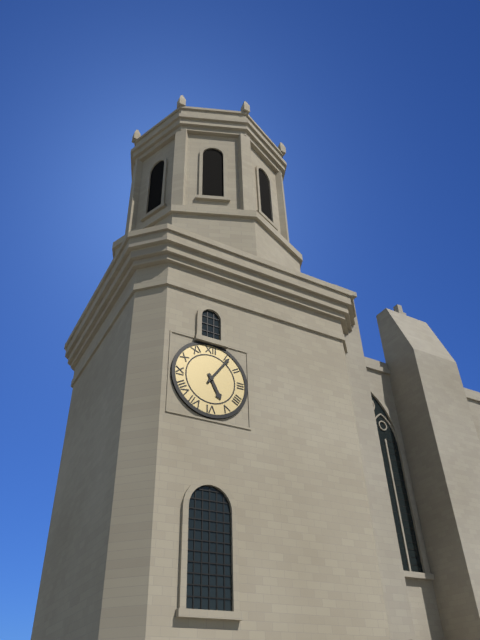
5:06
